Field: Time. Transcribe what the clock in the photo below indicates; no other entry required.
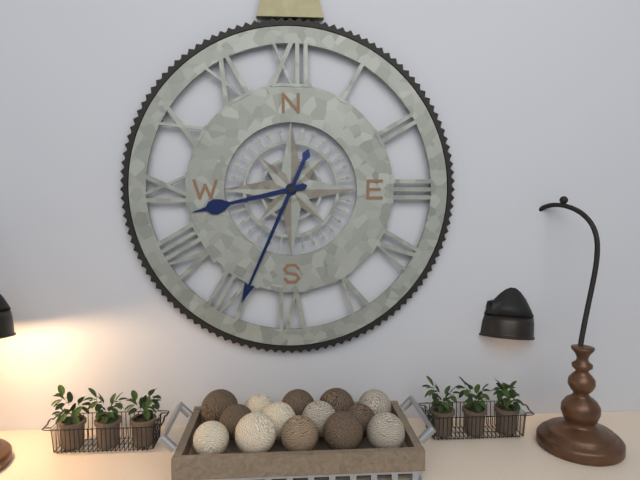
8:34
